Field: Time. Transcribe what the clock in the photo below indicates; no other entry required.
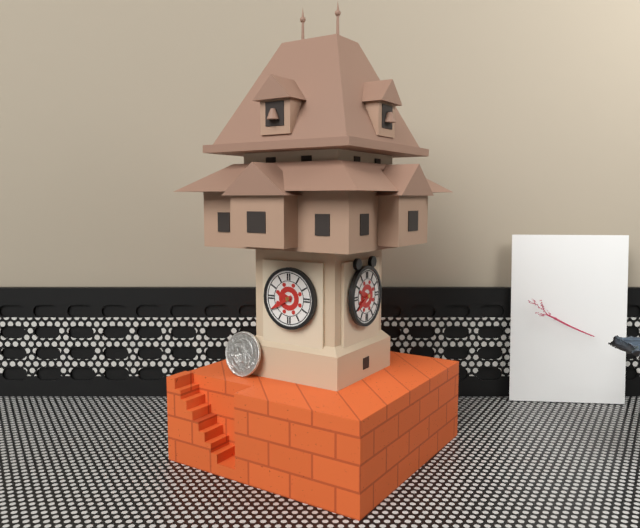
9:40
